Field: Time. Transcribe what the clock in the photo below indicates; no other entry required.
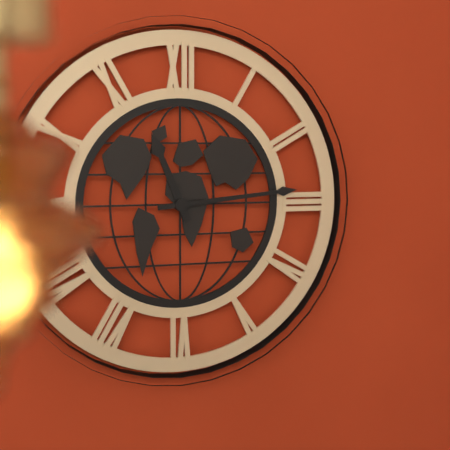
11:14
